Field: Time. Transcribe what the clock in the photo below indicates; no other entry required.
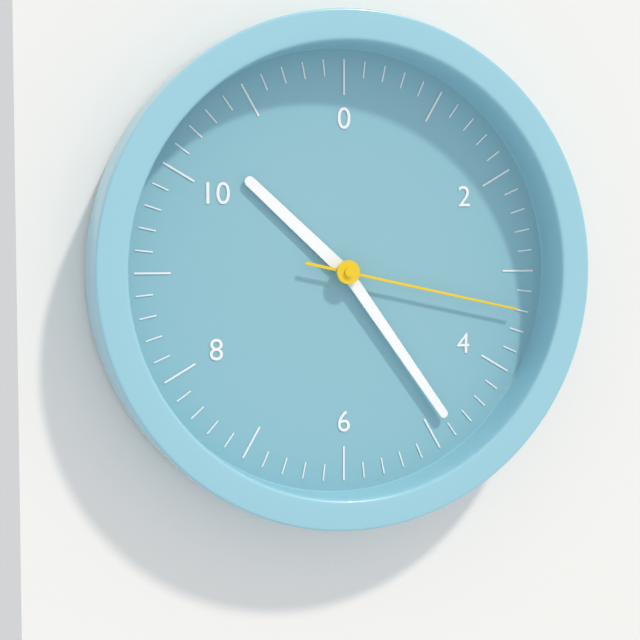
10:24:17
